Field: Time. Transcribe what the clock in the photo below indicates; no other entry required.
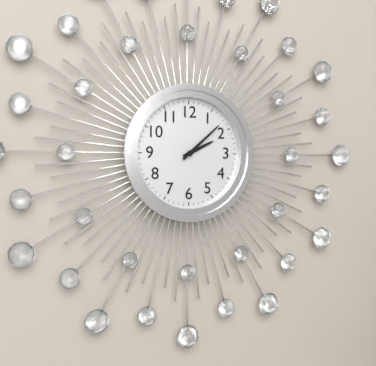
2:08
